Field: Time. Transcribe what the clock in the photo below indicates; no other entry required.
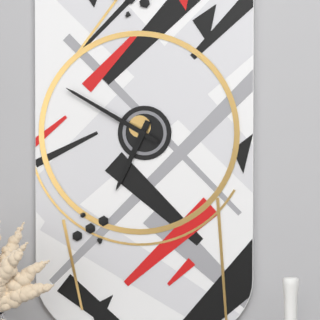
6:50
